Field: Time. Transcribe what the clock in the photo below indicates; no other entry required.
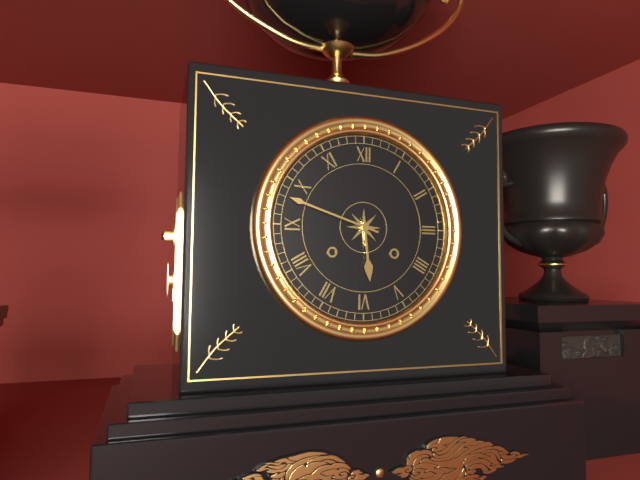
5:48
